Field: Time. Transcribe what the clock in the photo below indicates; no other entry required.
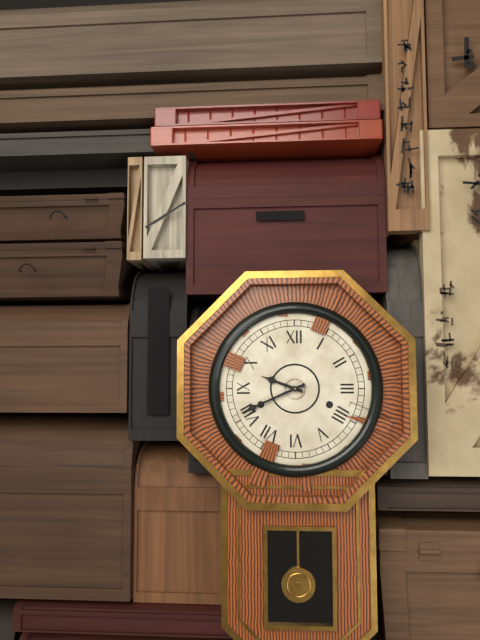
9:41
